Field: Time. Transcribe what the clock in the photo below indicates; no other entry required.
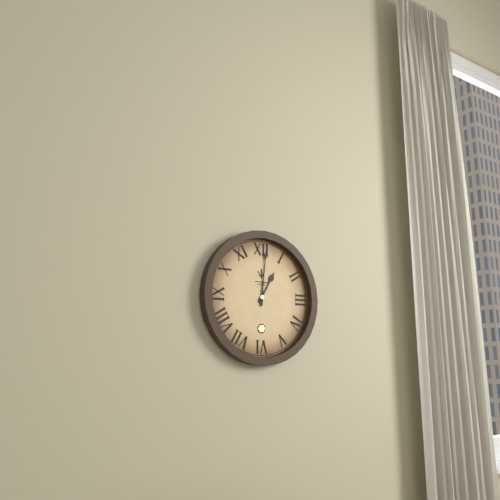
1:01
